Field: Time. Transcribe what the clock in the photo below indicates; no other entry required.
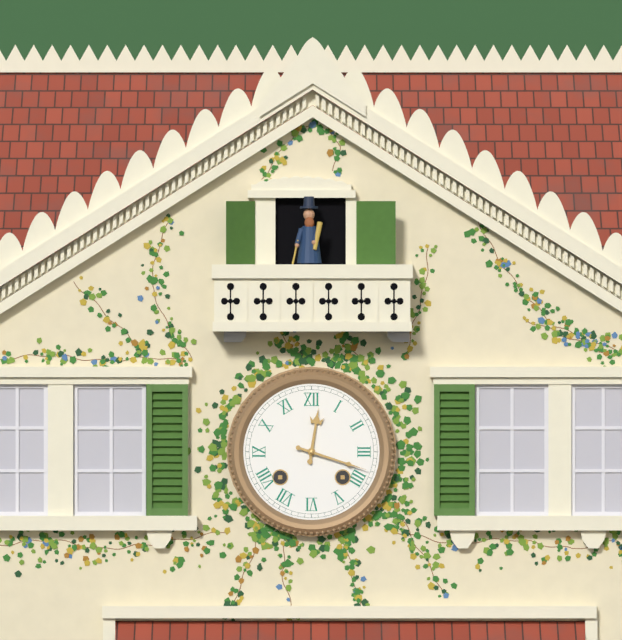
12:18
